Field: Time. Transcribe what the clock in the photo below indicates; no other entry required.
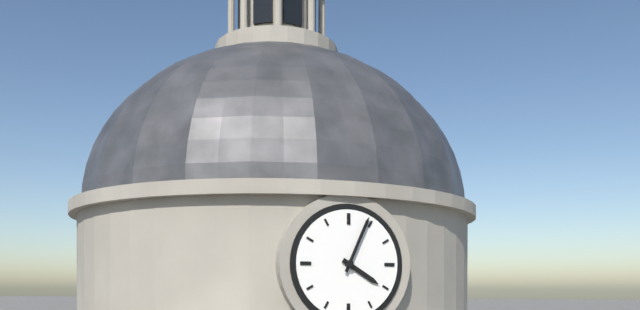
4:04
